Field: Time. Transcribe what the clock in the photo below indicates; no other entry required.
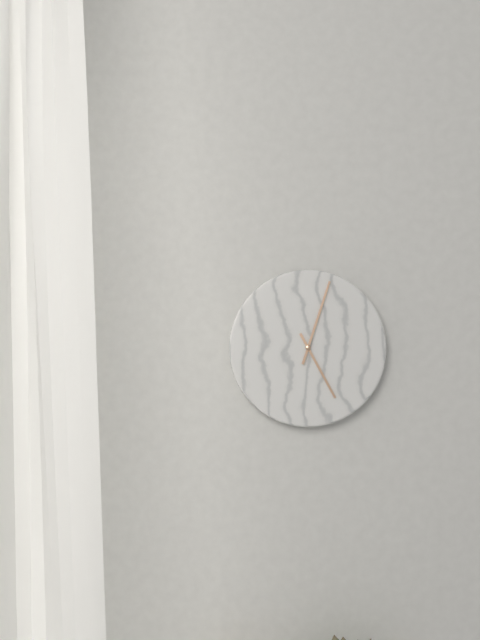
5:03
